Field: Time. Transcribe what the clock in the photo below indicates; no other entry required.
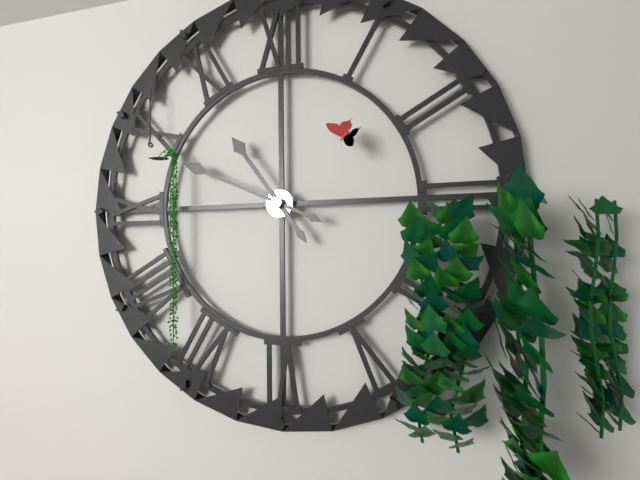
10:49
